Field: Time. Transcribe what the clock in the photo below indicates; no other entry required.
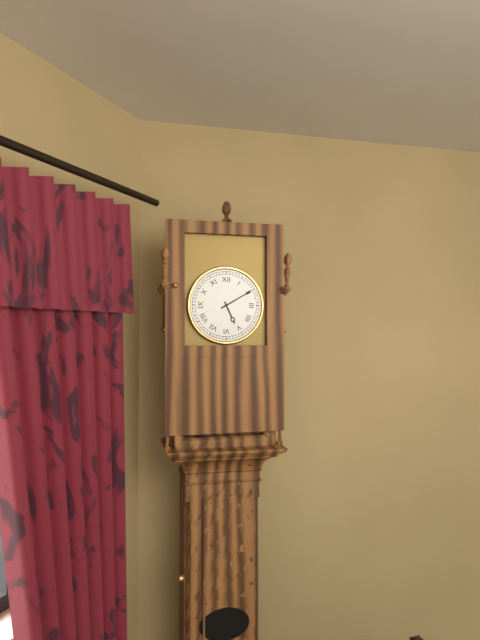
5:10
